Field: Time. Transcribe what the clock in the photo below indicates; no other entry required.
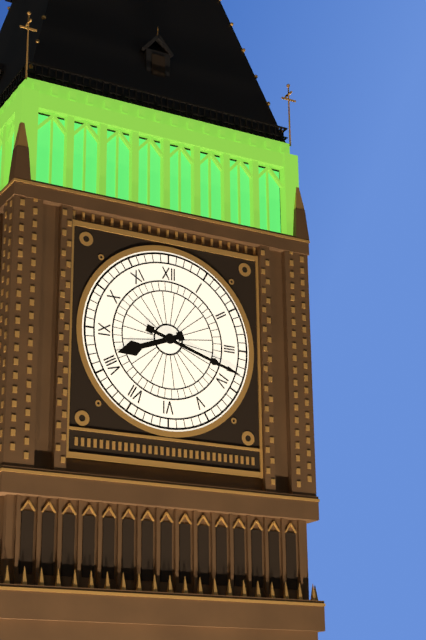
8:18
